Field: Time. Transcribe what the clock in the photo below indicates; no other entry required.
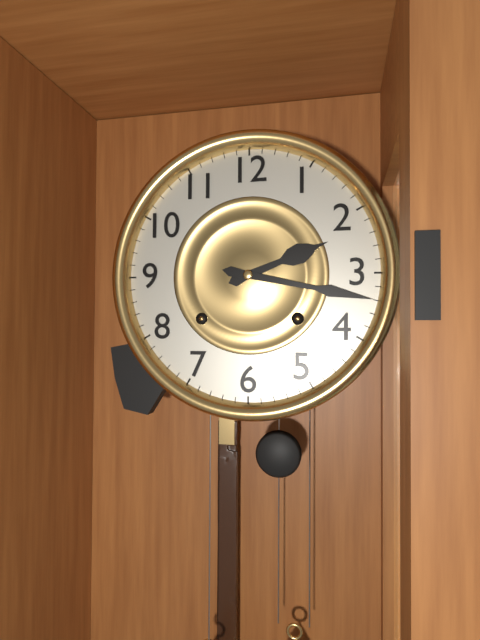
2:17
